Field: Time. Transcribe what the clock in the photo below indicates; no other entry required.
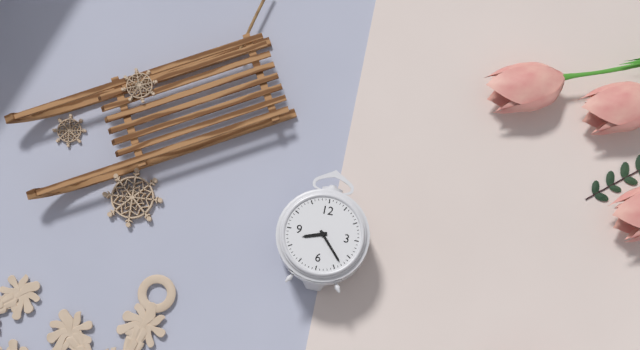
8:23
